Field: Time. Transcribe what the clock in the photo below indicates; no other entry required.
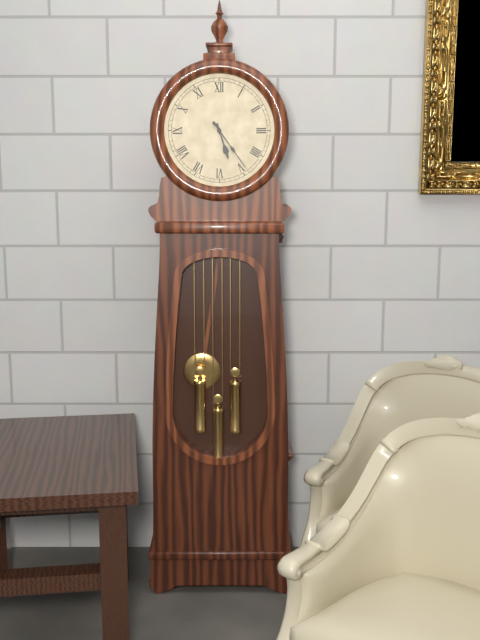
5:24
